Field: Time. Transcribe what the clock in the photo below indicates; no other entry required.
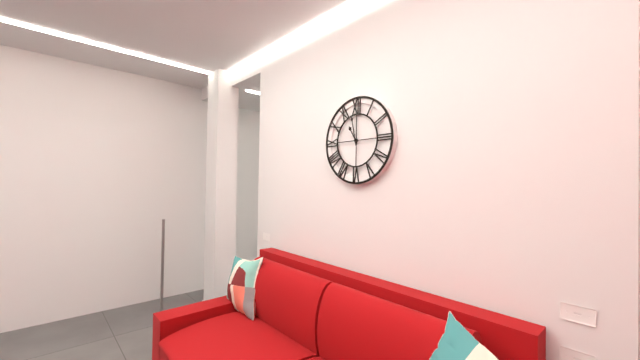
10:58
